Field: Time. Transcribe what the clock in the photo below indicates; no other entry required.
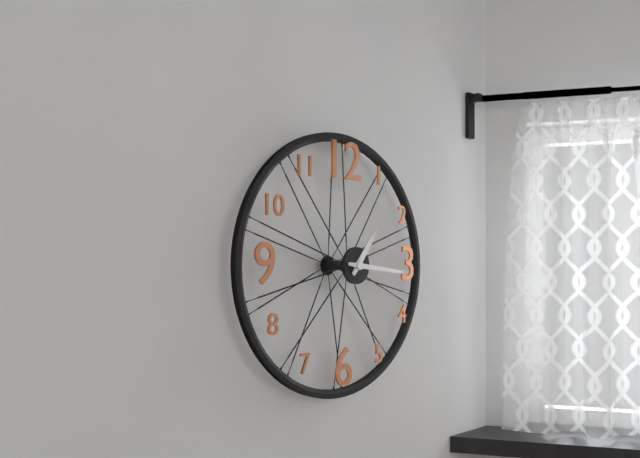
1:16
